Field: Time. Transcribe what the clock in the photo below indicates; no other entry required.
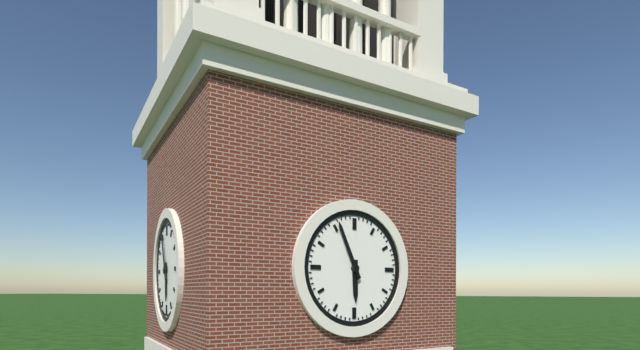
5:56
